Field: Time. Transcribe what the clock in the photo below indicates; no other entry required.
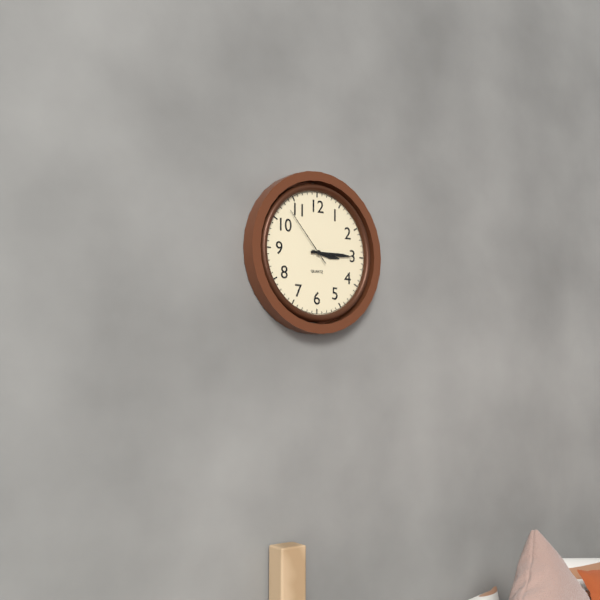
3:15:53
